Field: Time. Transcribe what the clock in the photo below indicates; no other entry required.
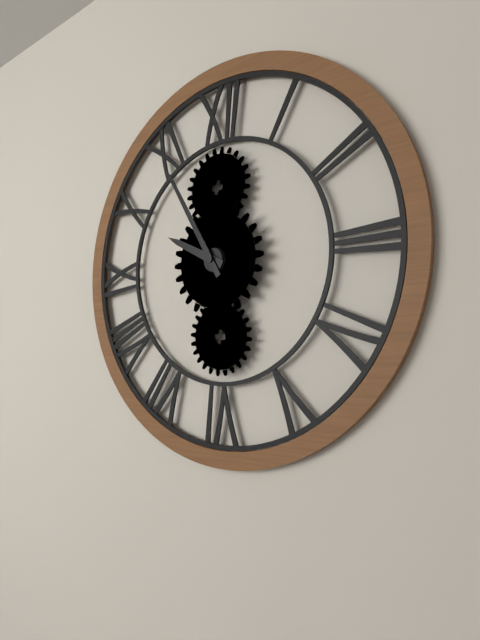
9:55
